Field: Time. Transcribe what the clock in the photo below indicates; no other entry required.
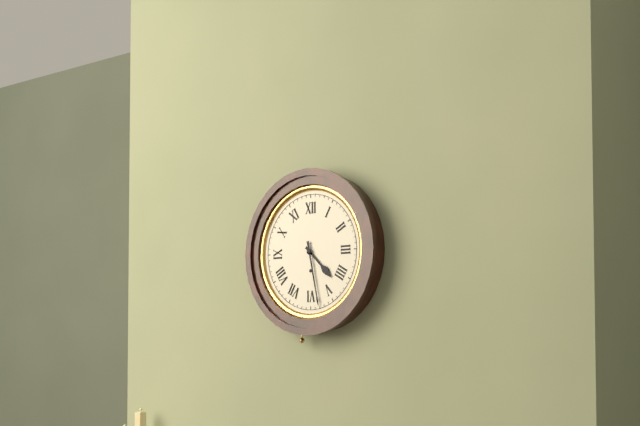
4:28
